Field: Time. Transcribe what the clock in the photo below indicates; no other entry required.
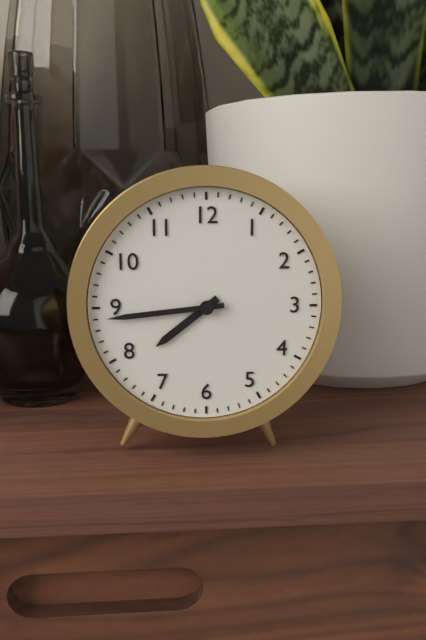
7:44
